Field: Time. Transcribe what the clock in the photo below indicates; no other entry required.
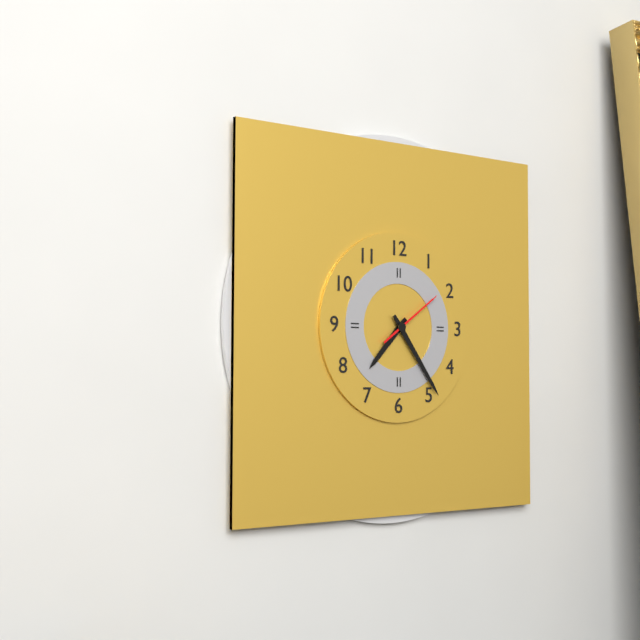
7:24:09
